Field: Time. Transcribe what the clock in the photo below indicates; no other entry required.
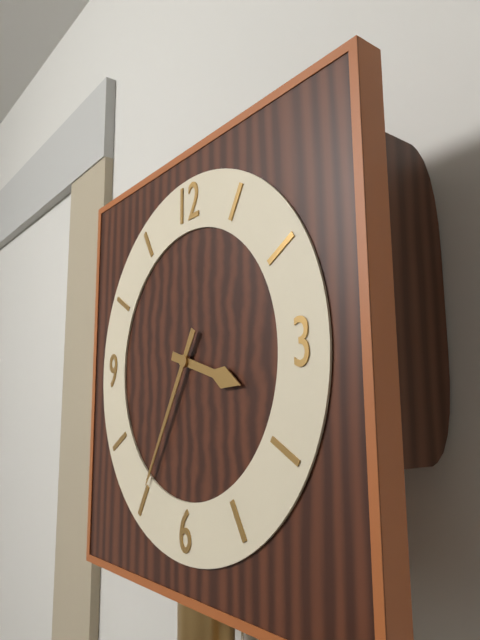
3:35
